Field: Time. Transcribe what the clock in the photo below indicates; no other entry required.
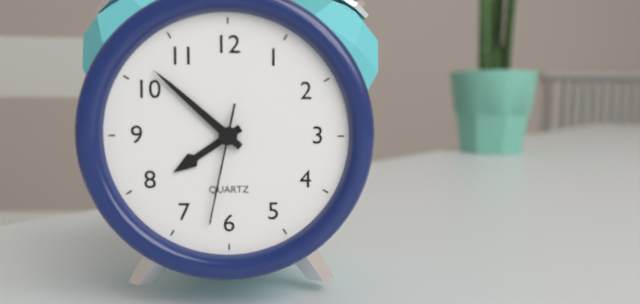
7:52:32
